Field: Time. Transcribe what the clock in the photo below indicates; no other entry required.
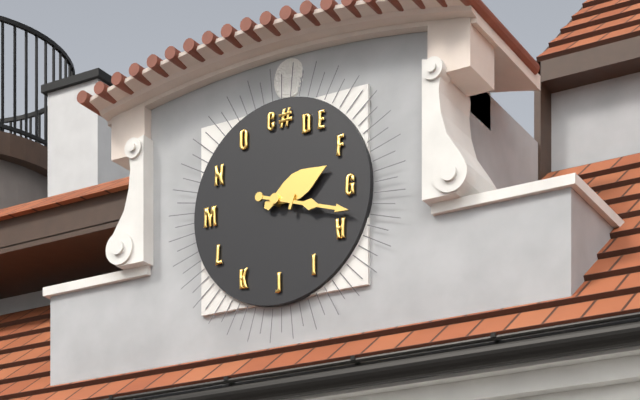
2:18
